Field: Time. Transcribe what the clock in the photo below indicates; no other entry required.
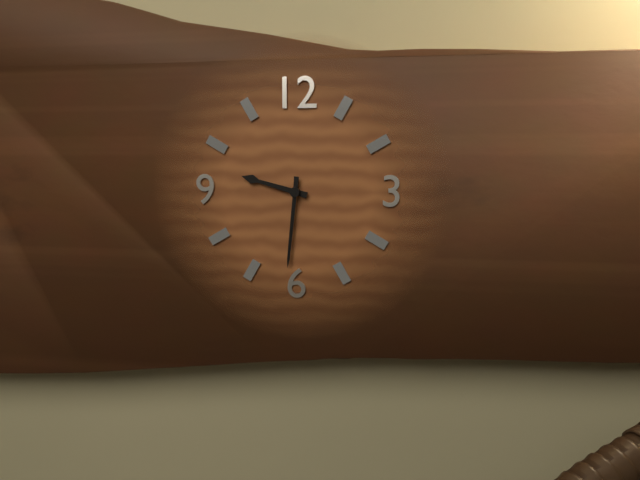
9:31
